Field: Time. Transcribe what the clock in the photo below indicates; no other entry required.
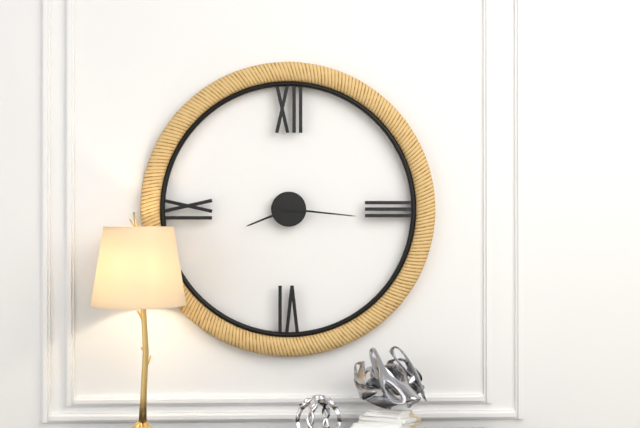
8:16
